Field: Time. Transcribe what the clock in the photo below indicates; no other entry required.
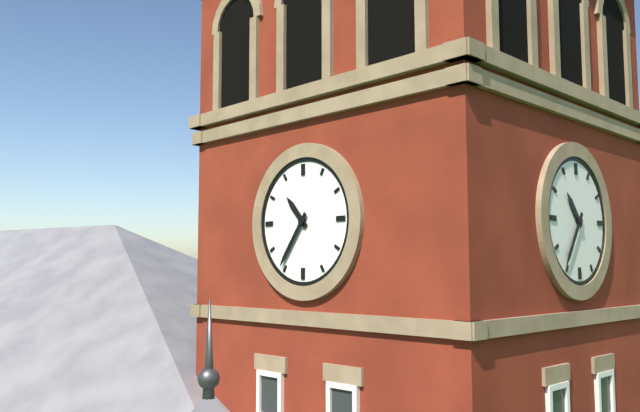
10:36
